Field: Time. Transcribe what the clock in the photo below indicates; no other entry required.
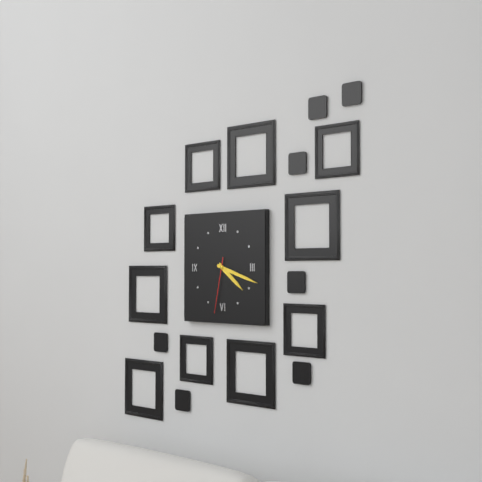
4:18:32
